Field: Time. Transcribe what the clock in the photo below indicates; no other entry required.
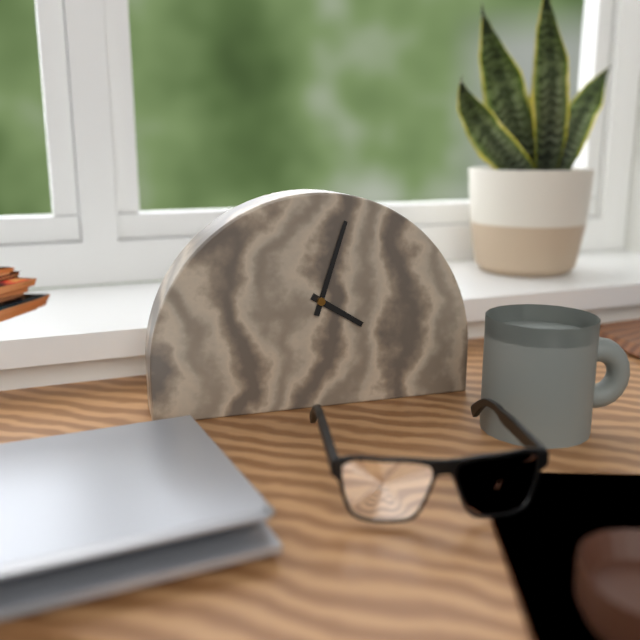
4:03
